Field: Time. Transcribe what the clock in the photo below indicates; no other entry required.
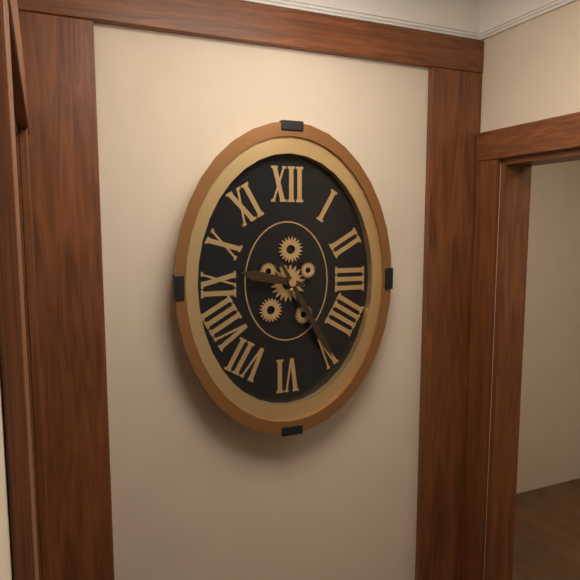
9:25
